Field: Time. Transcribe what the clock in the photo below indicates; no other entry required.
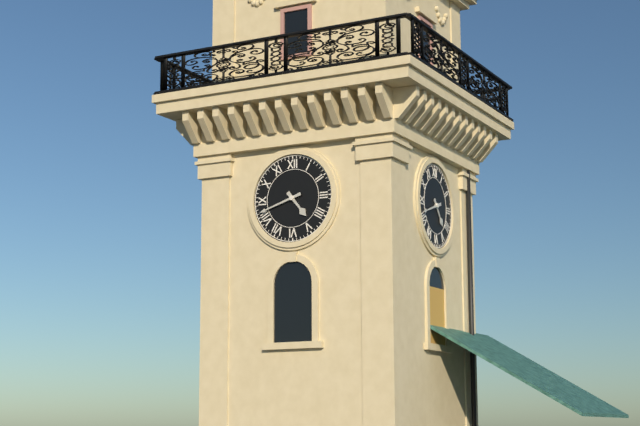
4:42
